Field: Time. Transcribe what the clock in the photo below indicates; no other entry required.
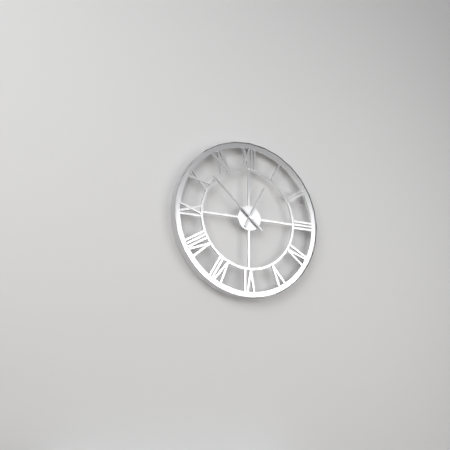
12:52
